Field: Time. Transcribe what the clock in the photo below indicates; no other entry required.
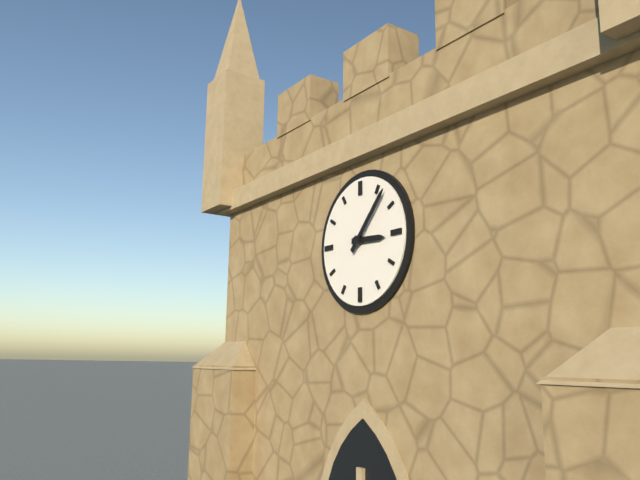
3:07
